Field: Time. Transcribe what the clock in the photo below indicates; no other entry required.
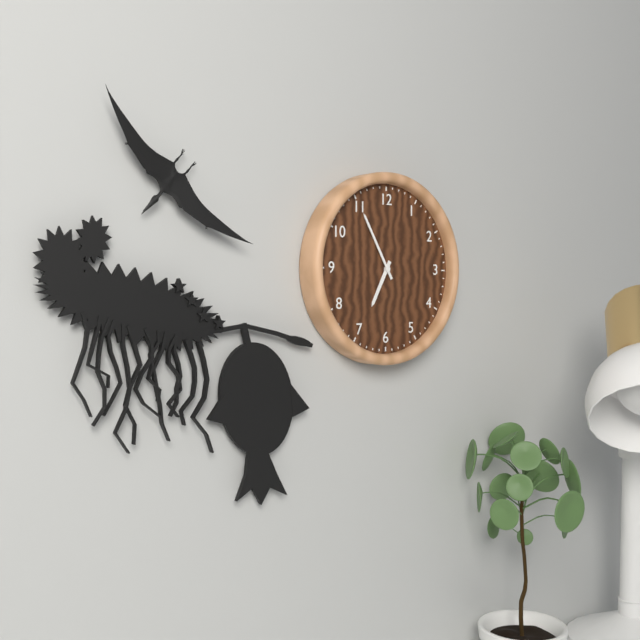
6:55
